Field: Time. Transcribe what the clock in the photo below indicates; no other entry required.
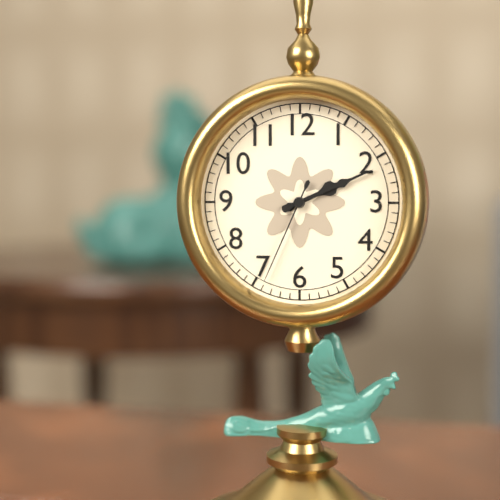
2:11:34
